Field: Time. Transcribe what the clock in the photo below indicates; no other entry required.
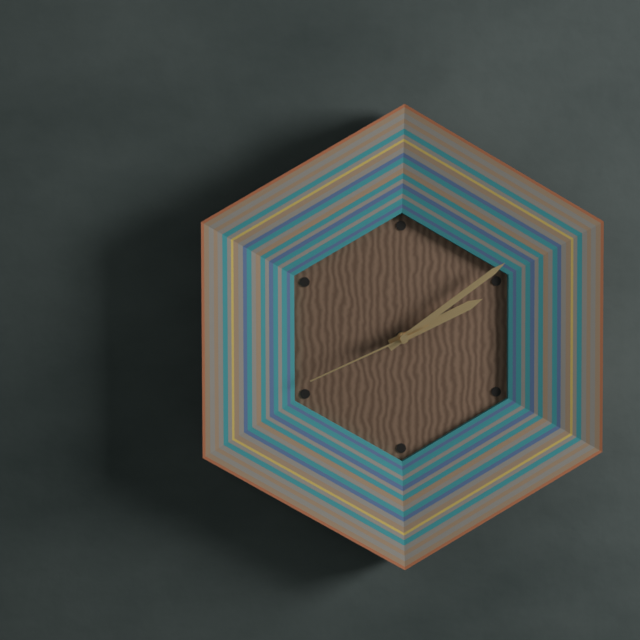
2:09:41
